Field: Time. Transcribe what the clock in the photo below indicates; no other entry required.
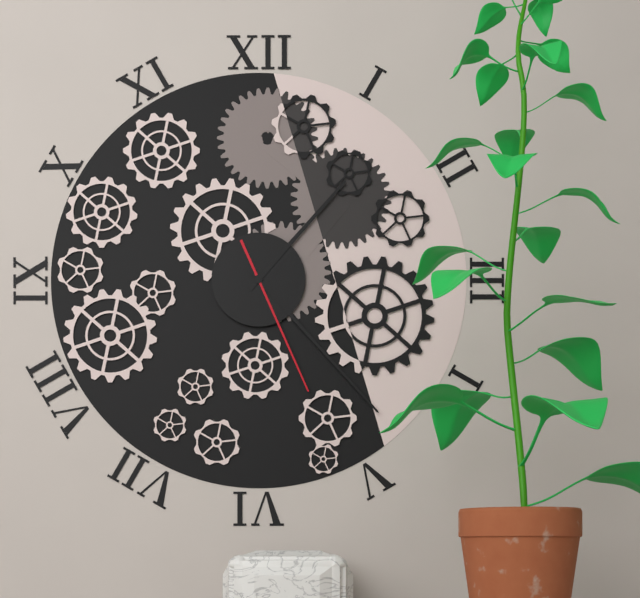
1:23:26
